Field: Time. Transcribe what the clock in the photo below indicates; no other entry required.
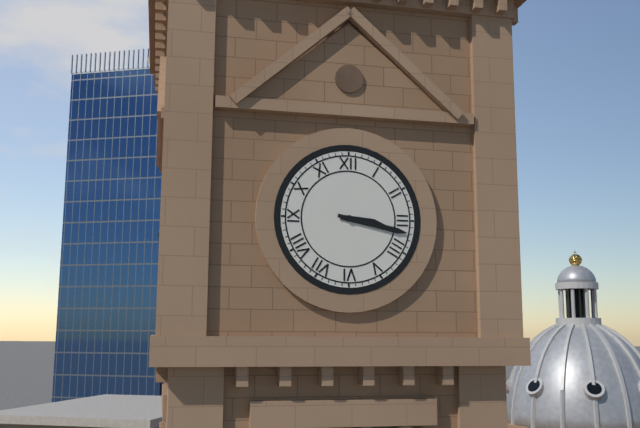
3:17
